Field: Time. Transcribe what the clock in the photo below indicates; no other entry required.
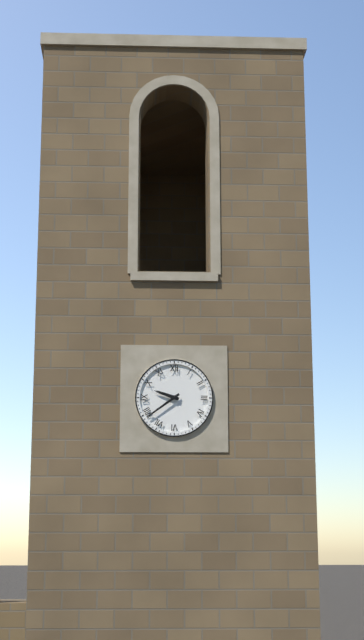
9:39
